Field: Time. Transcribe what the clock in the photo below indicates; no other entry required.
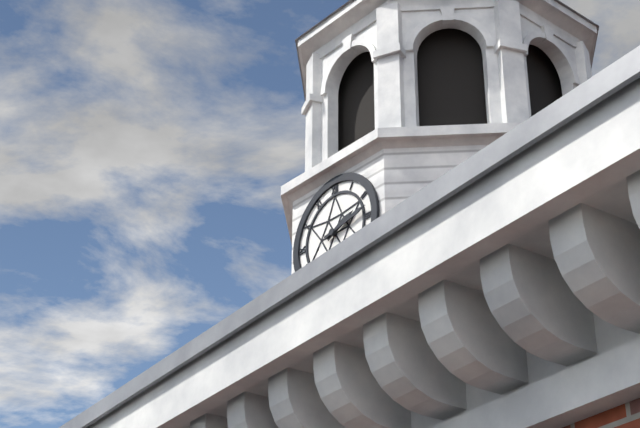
2:13
